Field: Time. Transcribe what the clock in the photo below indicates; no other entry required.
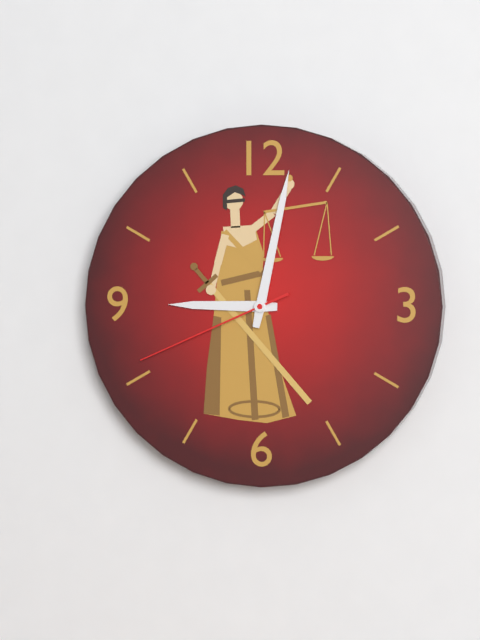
9:02:41
